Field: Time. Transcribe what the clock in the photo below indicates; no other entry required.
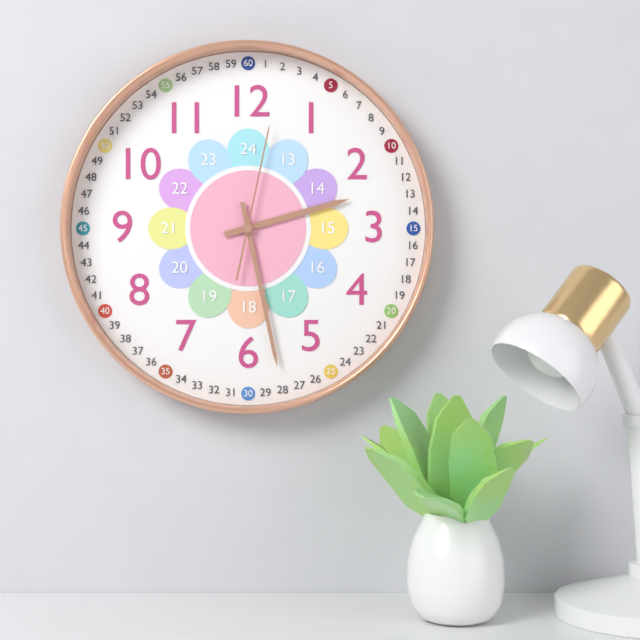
2:28:02
